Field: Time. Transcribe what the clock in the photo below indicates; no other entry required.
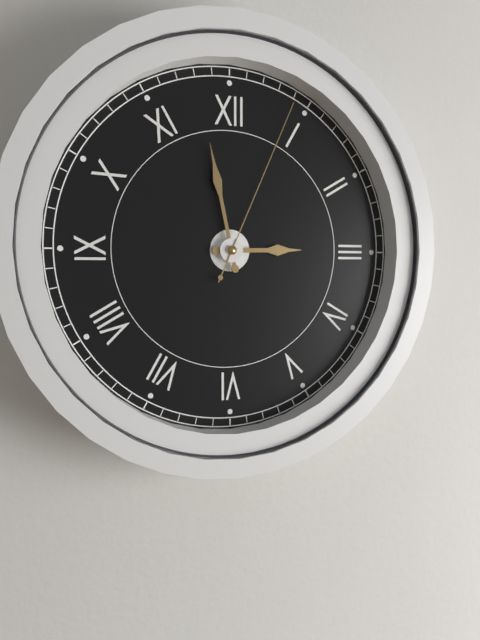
2:58:04
